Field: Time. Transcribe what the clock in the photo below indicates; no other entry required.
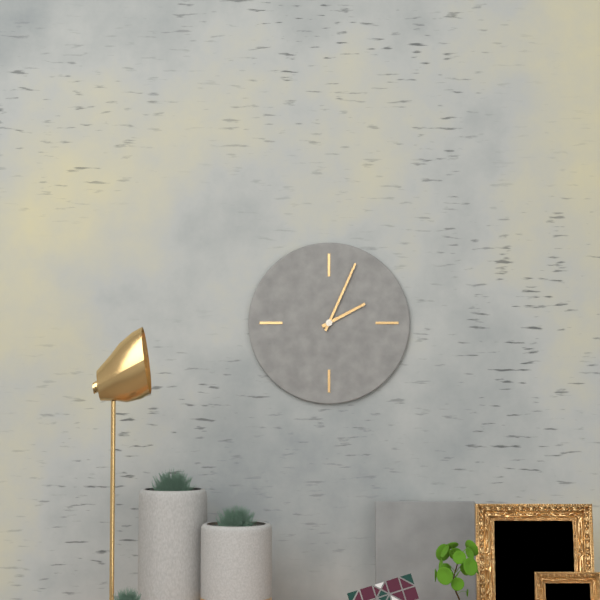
2:04
